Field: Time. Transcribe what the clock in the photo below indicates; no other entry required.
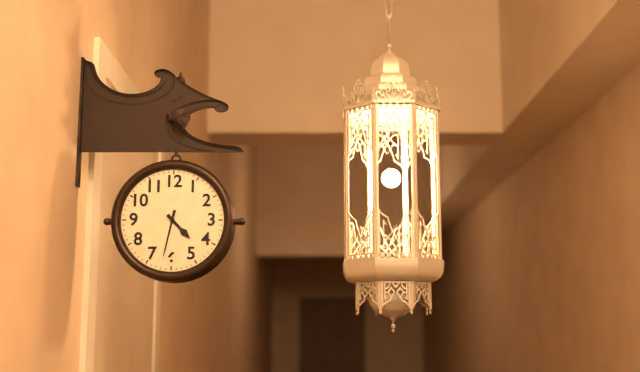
4:32
